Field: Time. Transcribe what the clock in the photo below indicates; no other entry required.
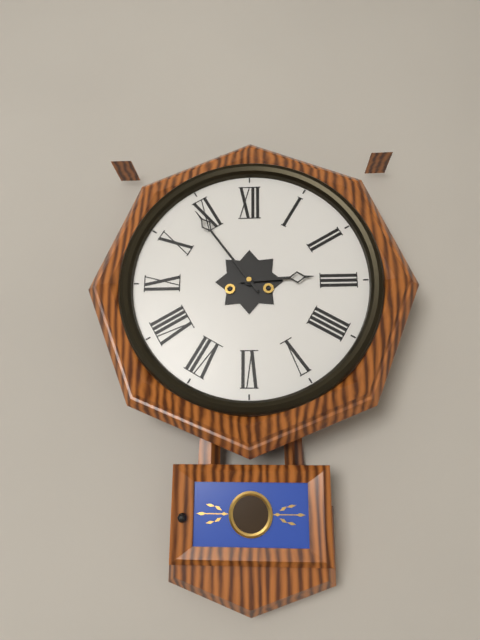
2:54
